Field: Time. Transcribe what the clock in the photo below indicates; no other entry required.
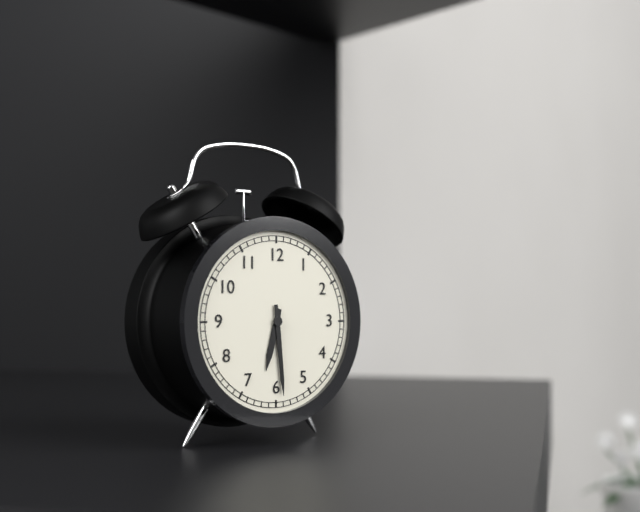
6:29
